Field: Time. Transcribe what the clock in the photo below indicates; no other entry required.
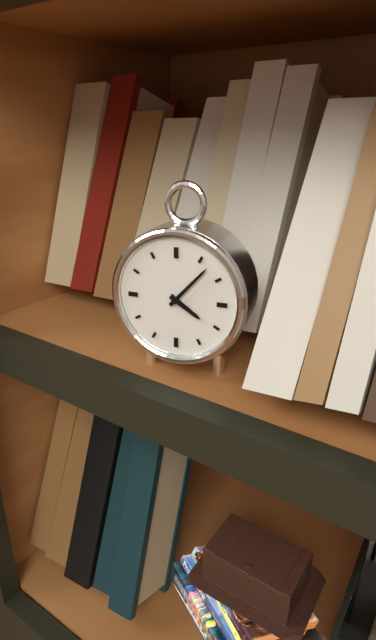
4:07
